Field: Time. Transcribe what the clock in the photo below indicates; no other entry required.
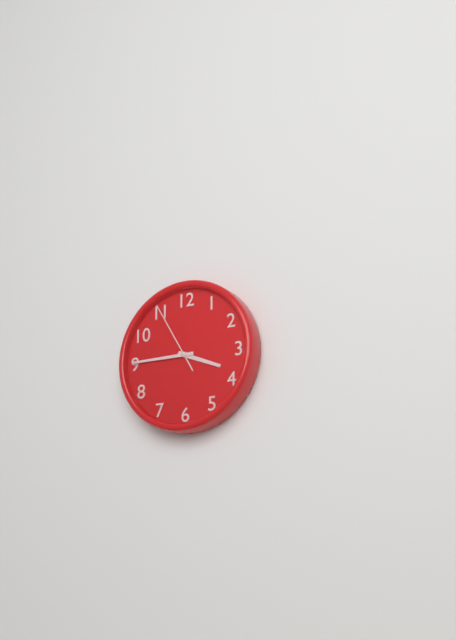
3:45:55
